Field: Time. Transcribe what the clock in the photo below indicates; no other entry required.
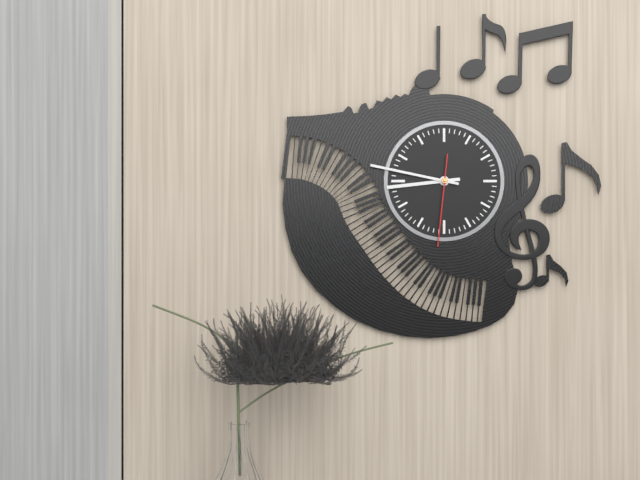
8:47:31
